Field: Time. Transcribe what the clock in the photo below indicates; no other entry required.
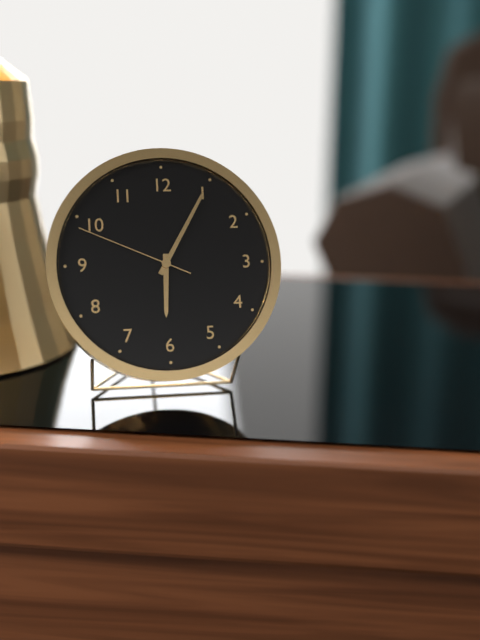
6:05:49
